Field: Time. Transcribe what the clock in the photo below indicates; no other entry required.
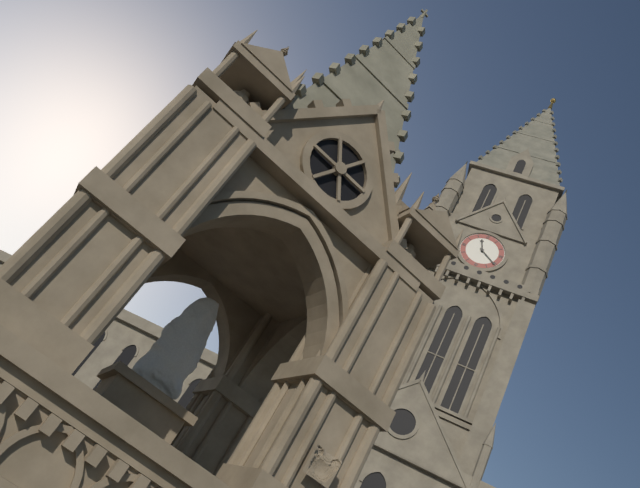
11:21
